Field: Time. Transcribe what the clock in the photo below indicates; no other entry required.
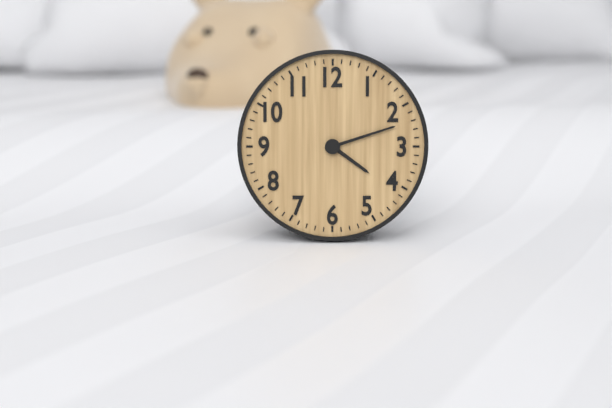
4:12
